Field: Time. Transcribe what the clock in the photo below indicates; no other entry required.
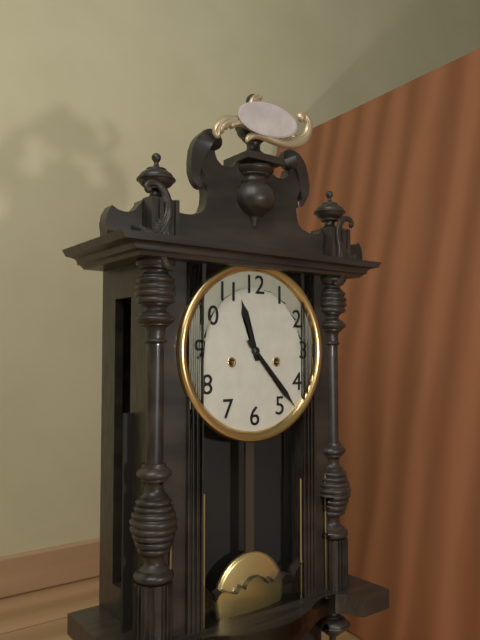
11:23
